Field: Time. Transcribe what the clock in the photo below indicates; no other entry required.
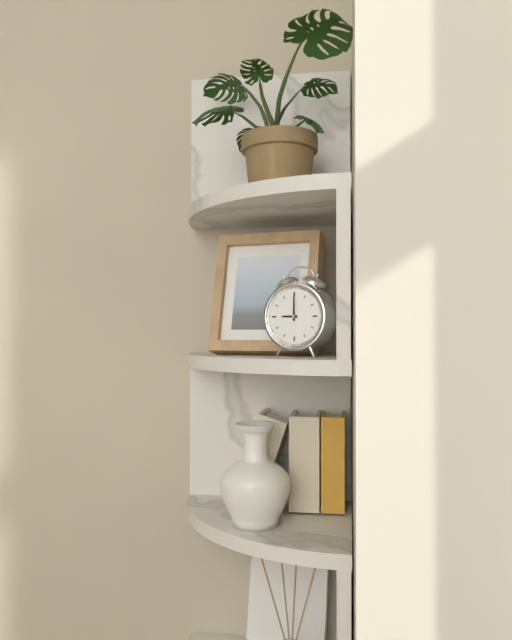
9:00
